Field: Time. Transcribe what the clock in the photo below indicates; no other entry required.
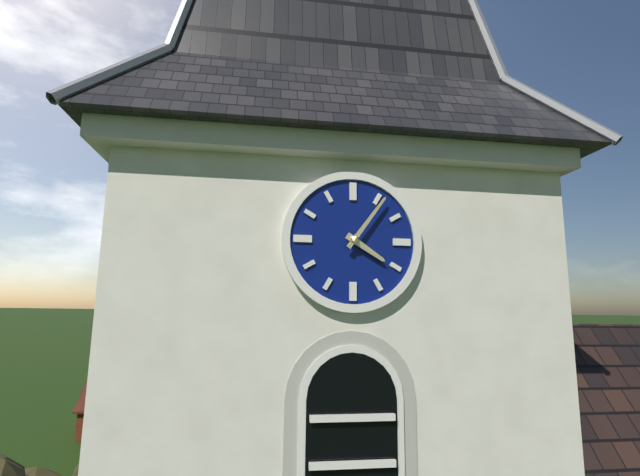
4:06
